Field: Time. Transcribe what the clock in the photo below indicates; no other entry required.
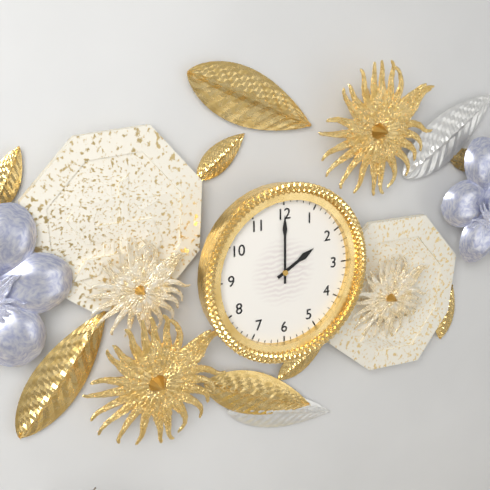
2:00
